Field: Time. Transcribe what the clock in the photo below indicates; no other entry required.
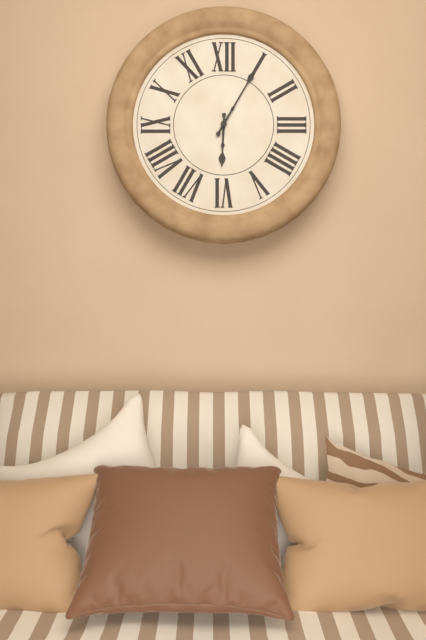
6:05
